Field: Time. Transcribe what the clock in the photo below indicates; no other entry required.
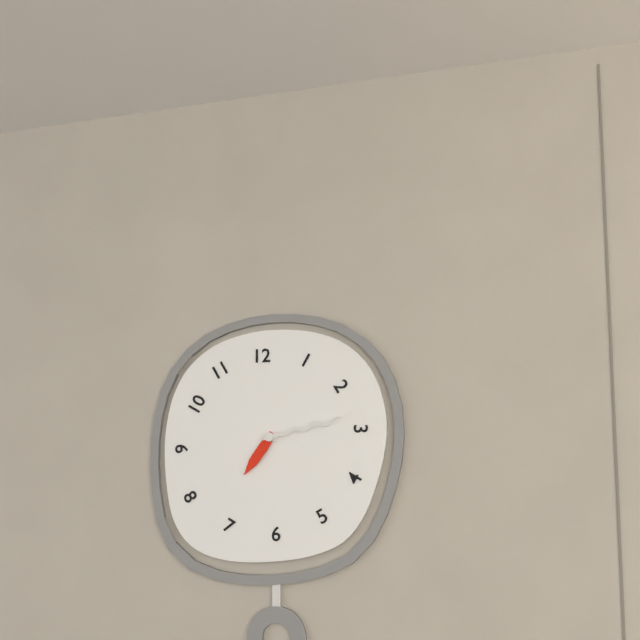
7:13
